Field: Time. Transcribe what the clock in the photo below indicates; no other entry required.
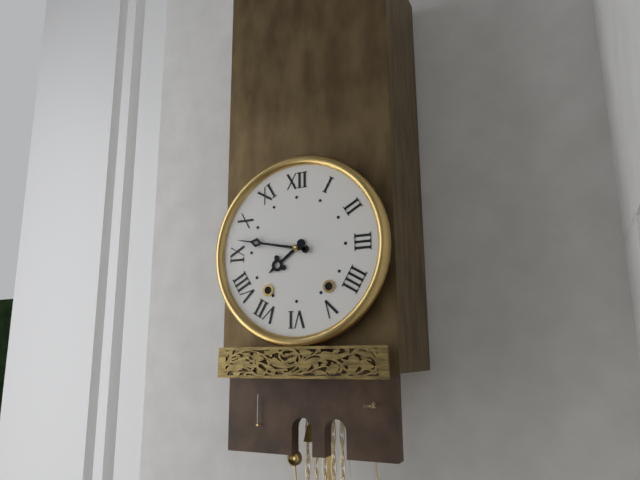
7:47
